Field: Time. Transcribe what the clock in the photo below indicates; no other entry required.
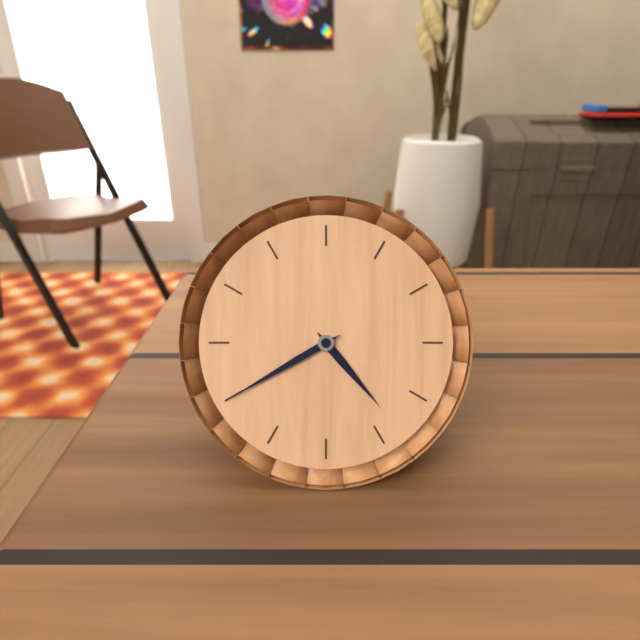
4:40
